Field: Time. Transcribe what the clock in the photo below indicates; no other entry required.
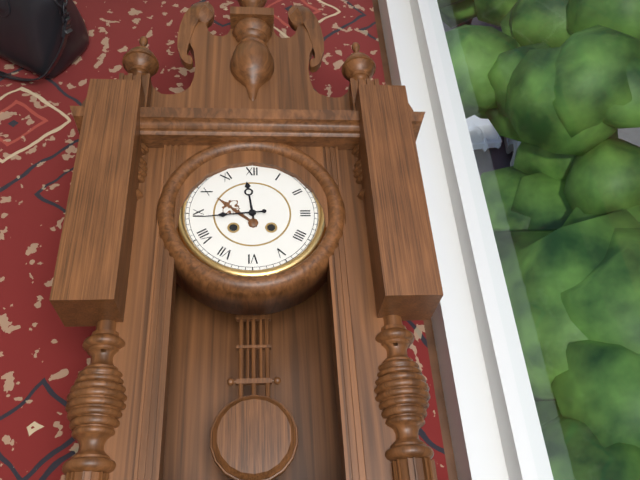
11:44
